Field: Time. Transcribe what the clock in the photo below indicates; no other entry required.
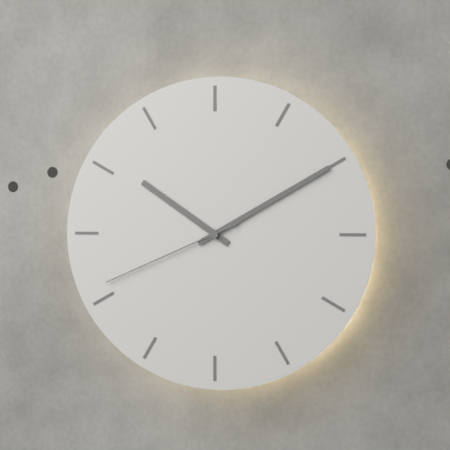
10:10:41
